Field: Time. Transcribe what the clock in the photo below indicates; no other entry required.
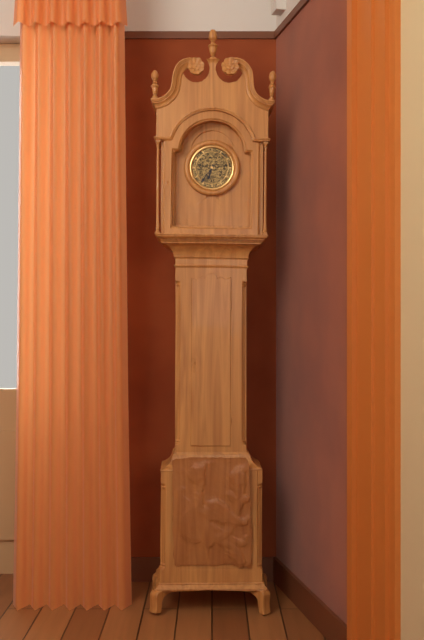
6:36
